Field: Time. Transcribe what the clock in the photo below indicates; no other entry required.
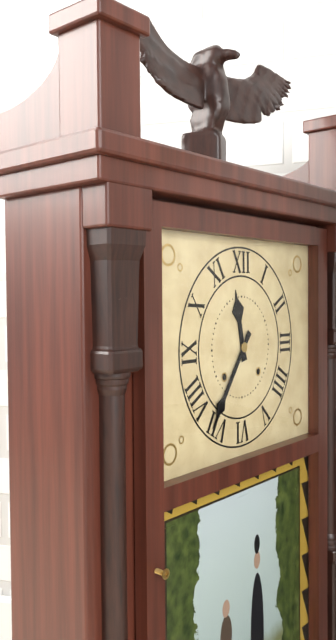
11:36
